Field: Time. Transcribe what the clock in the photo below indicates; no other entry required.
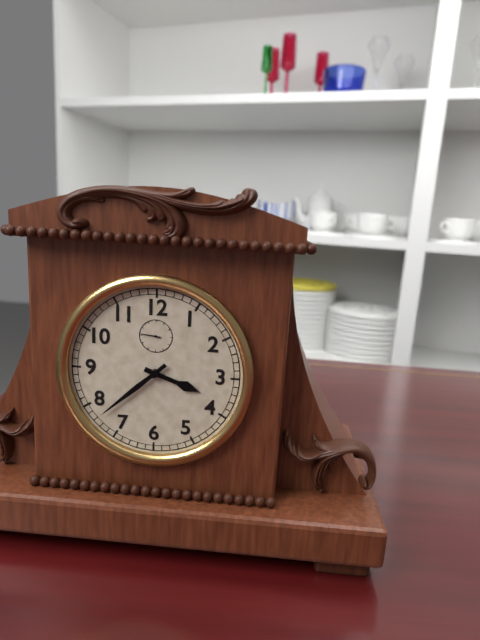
3:38
